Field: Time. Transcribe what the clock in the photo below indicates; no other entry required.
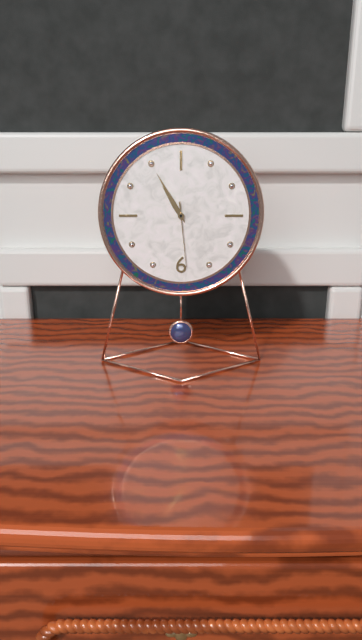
10:55:29
